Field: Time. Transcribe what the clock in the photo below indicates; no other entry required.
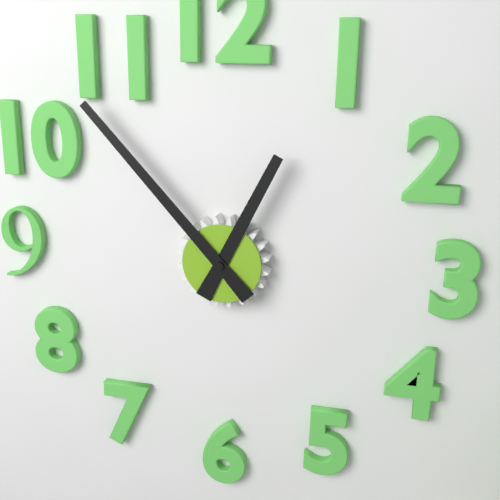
12:53
